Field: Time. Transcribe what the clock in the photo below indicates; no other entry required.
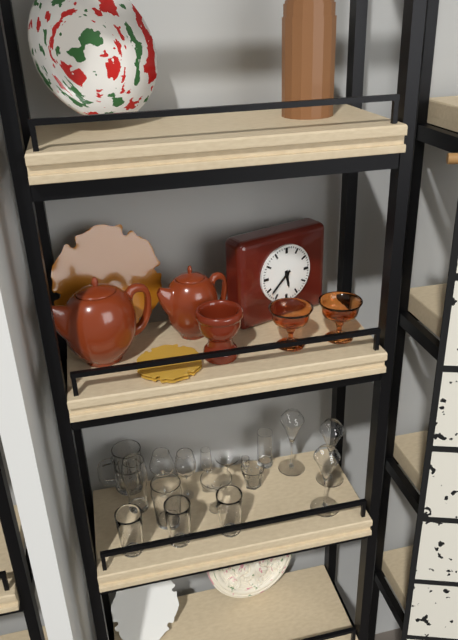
5:38
